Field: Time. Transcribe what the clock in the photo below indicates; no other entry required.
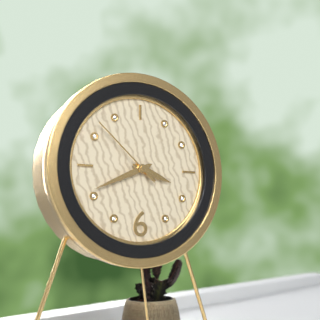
3:41:52
